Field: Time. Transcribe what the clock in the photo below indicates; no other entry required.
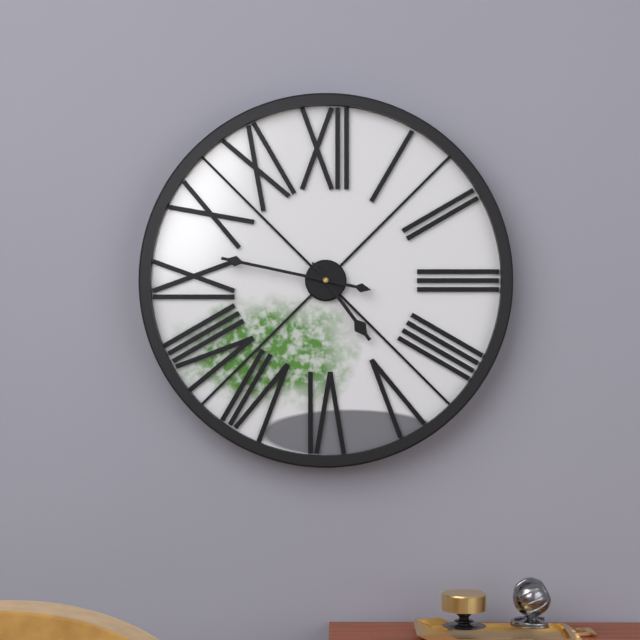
4:47
